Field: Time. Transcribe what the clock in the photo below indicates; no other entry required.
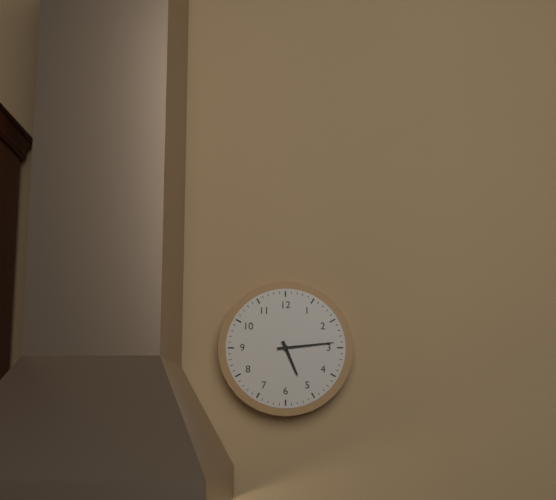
5:14
